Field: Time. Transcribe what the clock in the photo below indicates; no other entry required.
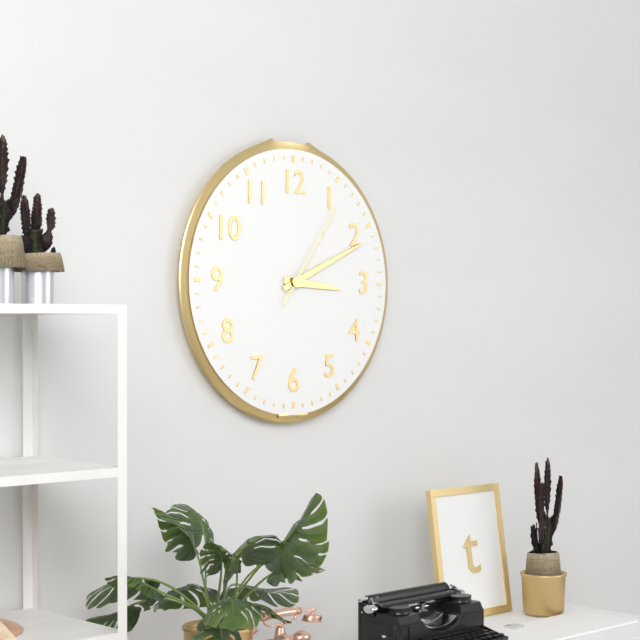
3:11:06
